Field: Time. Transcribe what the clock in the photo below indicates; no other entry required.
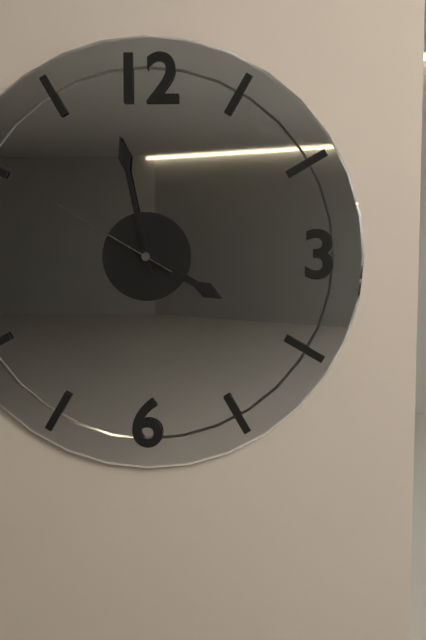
3:58:50
